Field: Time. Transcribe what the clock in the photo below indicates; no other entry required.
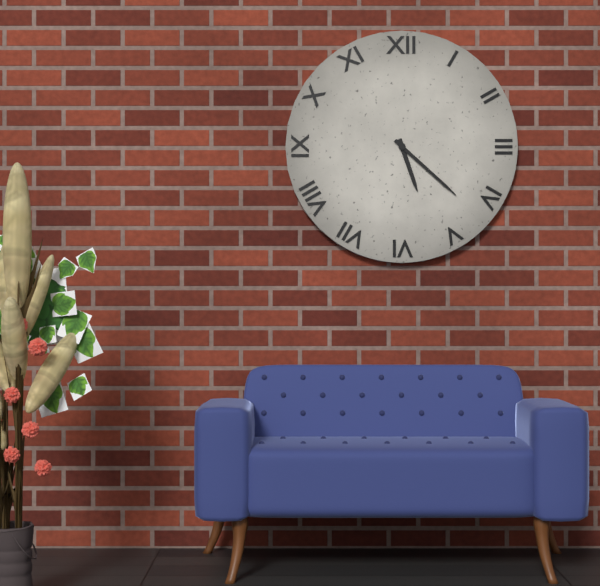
5:22
